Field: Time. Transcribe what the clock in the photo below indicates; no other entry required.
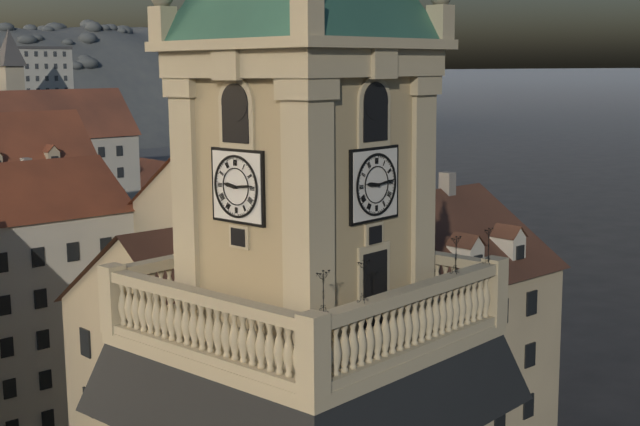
9:14
